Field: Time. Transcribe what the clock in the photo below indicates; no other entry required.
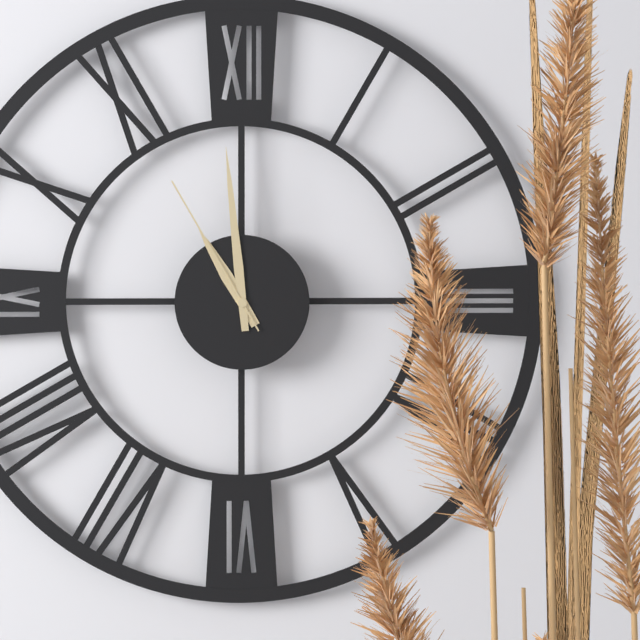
10:59:55
